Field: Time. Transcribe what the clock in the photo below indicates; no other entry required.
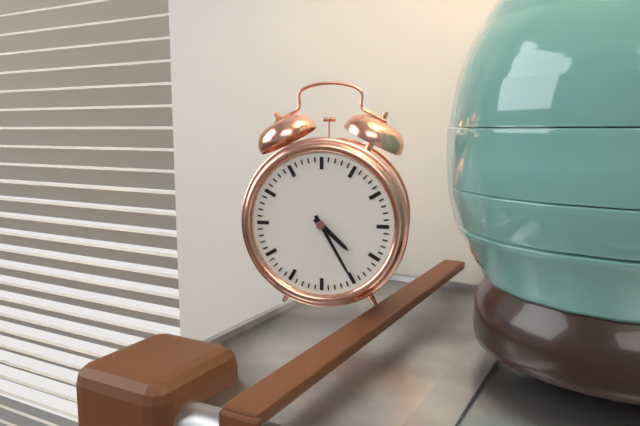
4:25
